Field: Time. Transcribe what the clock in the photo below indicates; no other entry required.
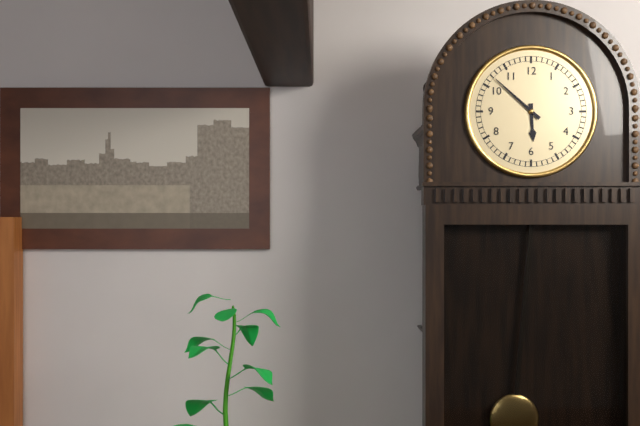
5:52
